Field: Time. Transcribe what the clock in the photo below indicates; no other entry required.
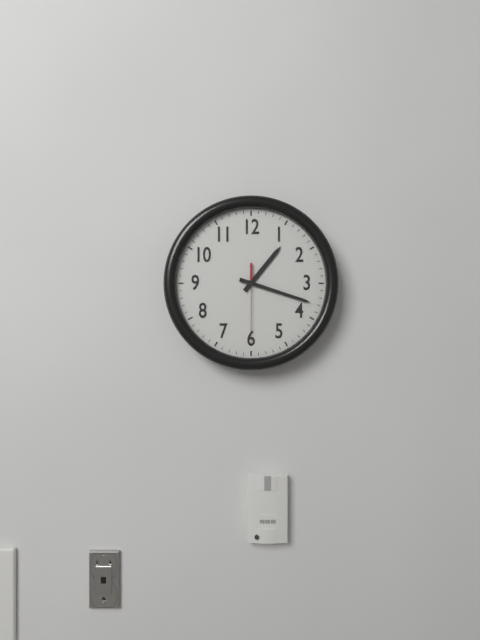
1:18:30
